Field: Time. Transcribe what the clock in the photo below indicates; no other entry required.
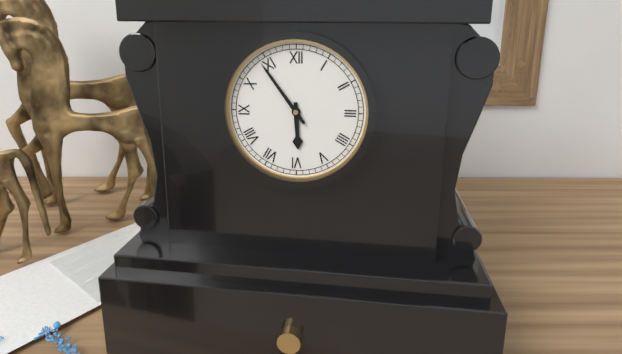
5:54
